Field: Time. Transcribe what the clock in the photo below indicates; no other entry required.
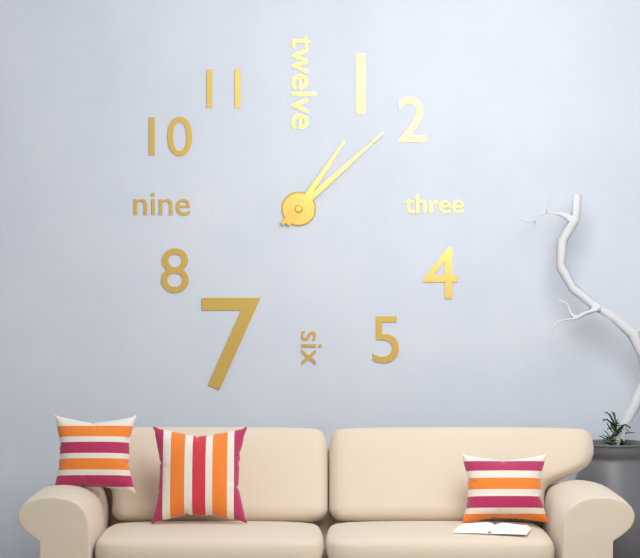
1:08
